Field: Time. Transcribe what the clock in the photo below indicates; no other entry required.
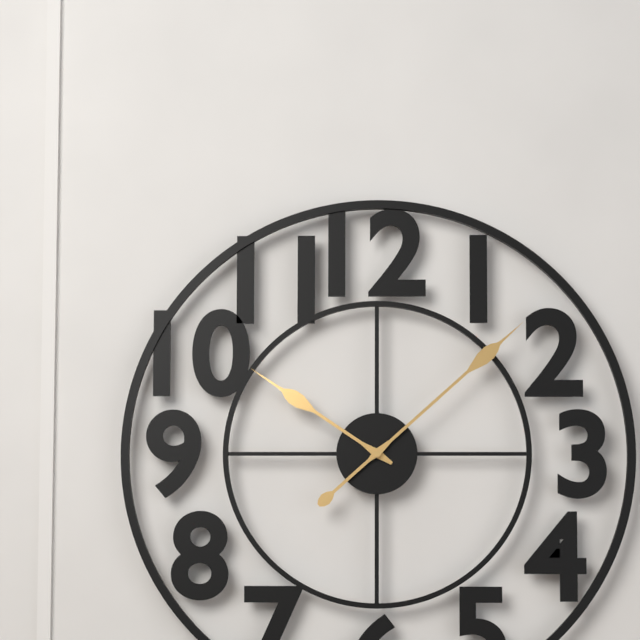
10:08
